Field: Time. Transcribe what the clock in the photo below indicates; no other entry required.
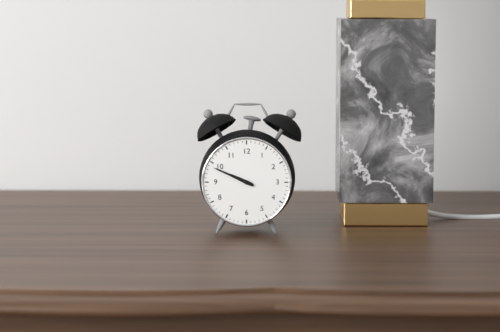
9:49
